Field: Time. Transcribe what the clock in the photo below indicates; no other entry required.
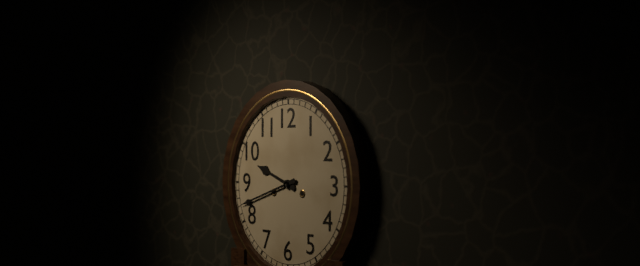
9:42
